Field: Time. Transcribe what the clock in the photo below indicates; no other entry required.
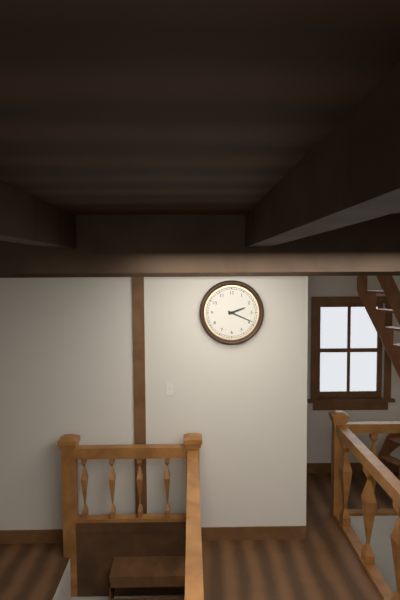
2:19
